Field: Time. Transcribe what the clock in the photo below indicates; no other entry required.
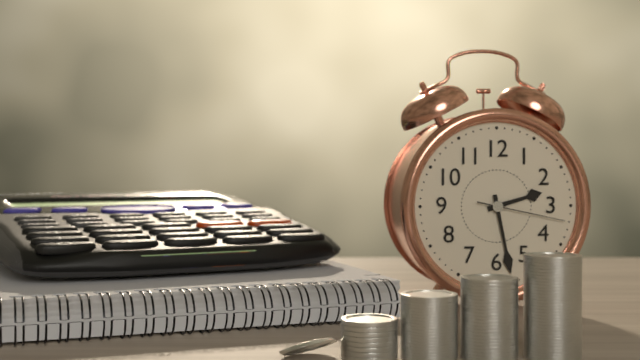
2:28:17
